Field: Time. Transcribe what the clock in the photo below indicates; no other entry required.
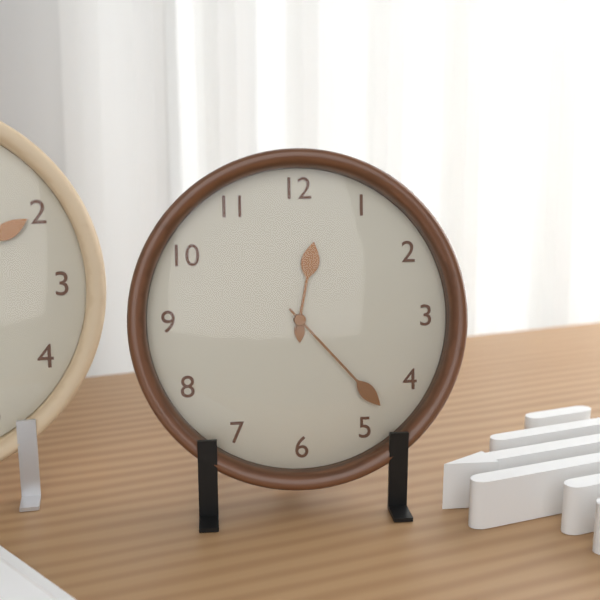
12:23
